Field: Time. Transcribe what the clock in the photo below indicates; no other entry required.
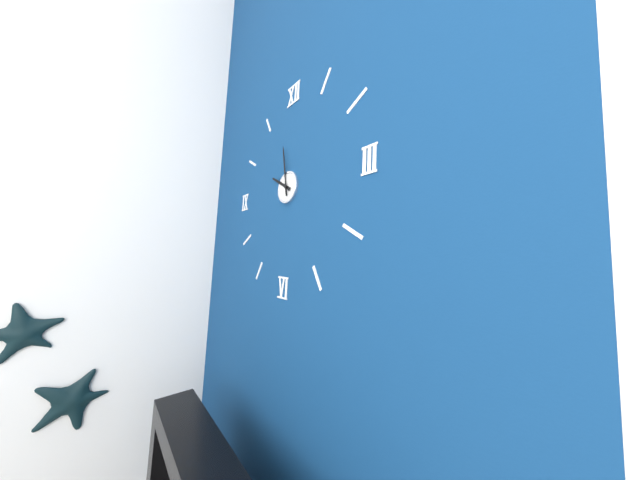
9:58
